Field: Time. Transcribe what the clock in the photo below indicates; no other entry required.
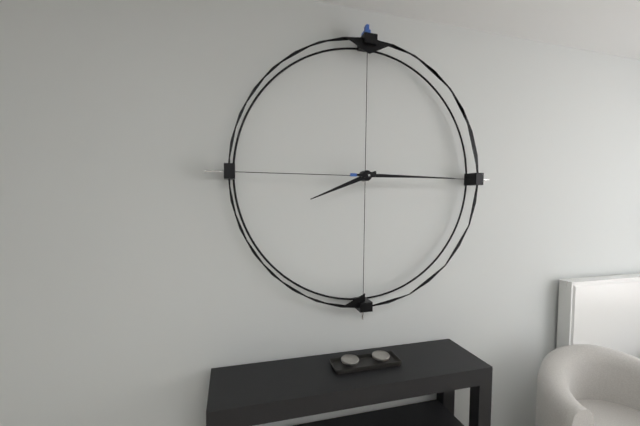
8:15
